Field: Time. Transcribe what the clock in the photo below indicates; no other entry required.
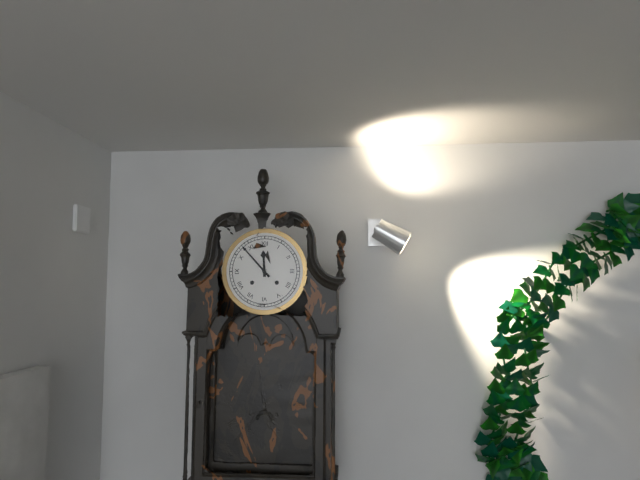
11:53
